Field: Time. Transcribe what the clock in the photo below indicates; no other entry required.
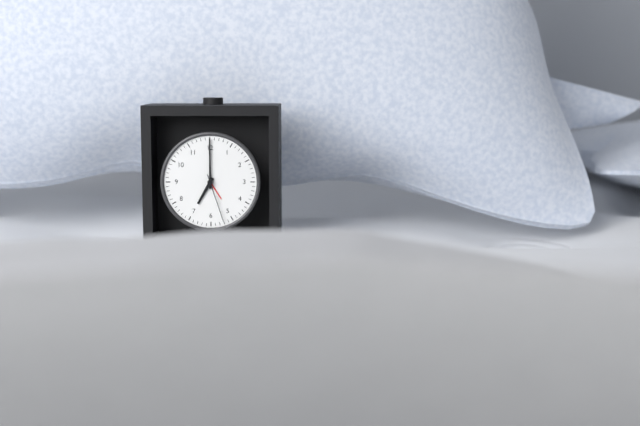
7:00:27
